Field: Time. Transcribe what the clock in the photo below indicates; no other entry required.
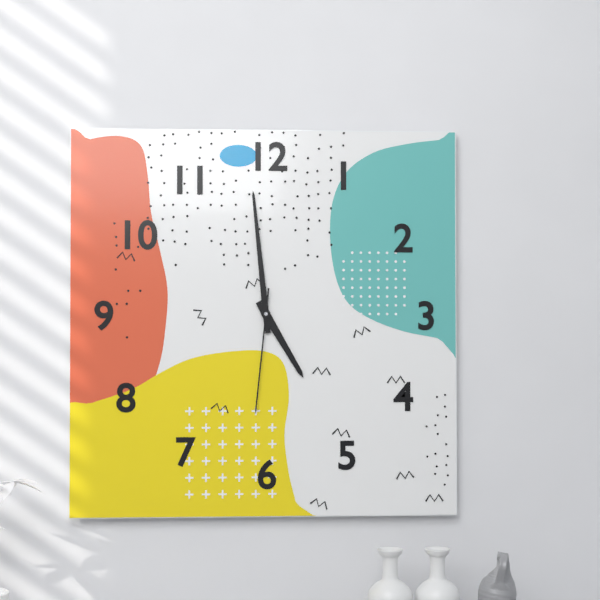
4:59:31
